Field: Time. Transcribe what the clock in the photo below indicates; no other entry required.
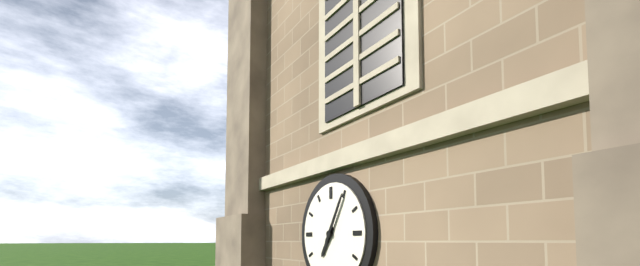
7:05
